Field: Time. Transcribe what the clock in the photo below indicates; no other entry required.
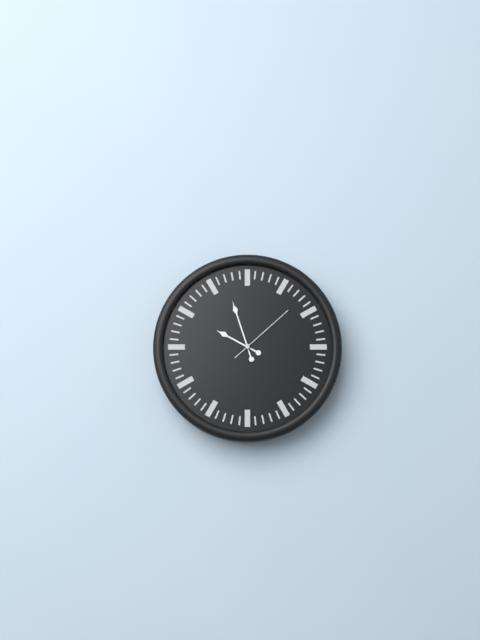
9:57:08
